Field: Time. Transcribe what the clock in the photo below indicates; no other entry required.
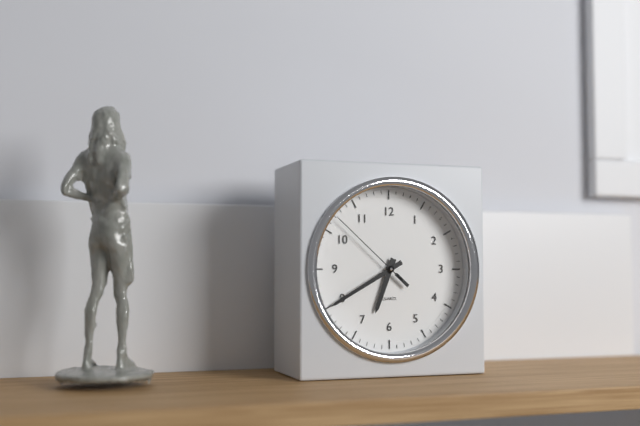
6:40:52
